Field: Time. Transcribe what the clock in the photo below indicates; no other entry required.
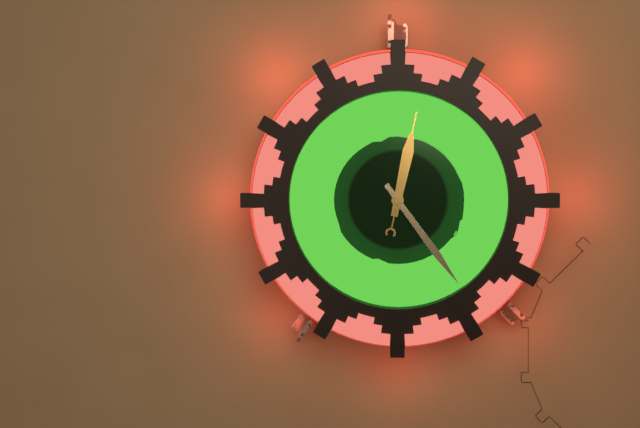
12:24:02
